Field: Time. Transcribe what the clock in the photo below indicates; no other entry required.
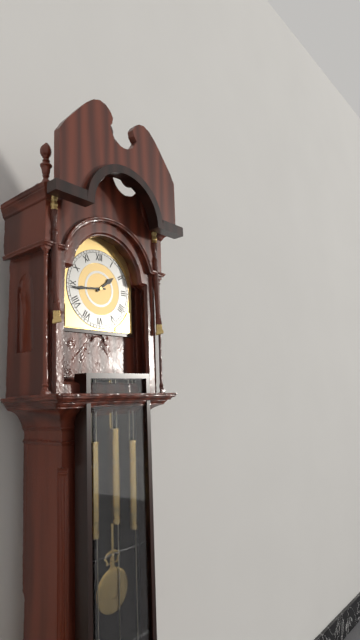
1:44
